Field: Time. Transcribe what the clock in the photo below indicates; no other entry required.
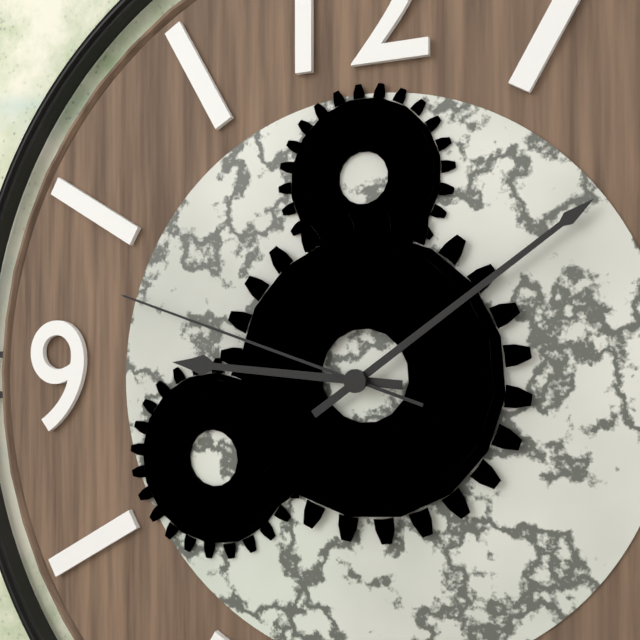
9:09:48
